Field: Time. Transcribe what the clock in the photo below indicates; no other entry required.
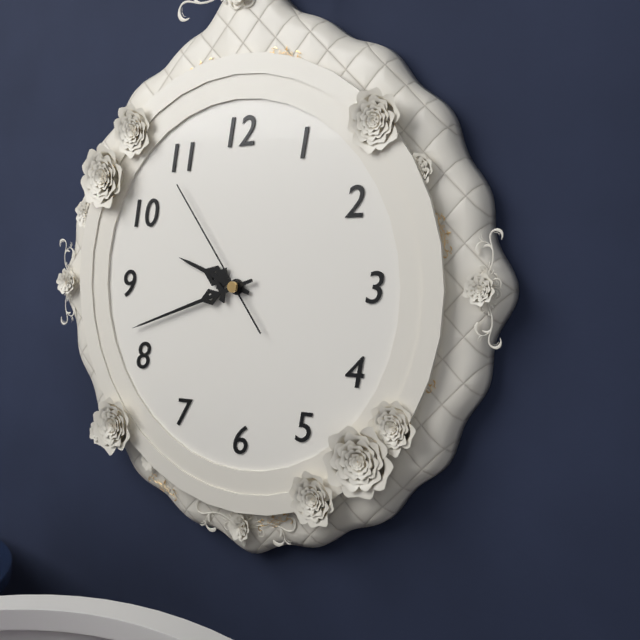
9:42:54
